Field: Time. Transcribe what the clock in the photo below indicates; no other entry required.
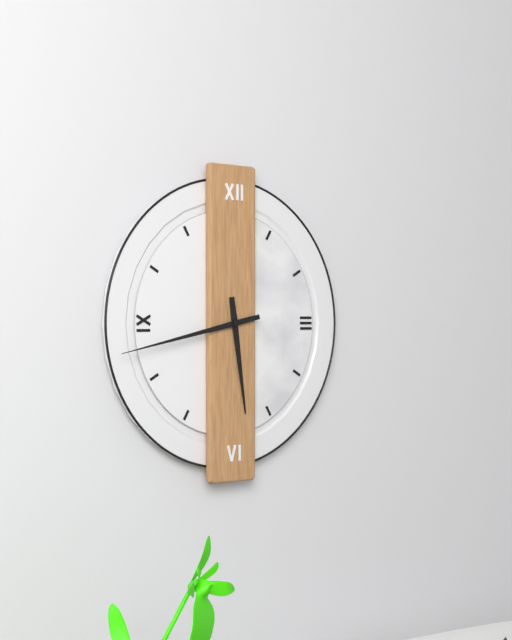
5:43
